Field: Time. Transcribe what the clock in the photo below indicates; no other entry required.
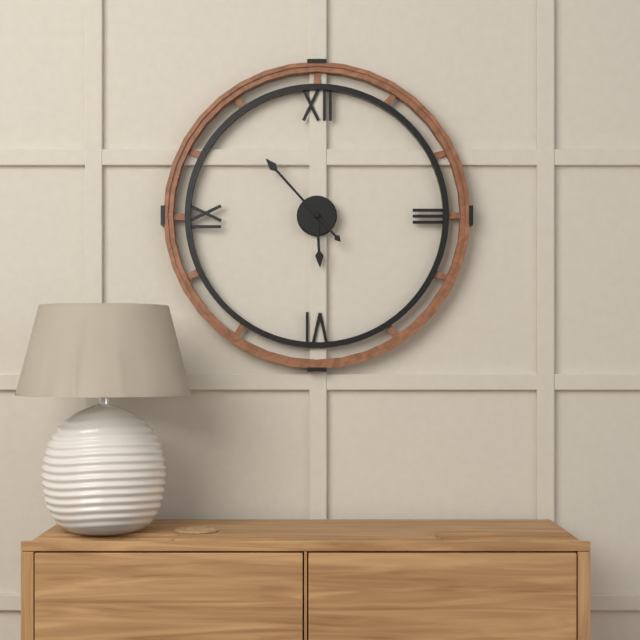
5:53
